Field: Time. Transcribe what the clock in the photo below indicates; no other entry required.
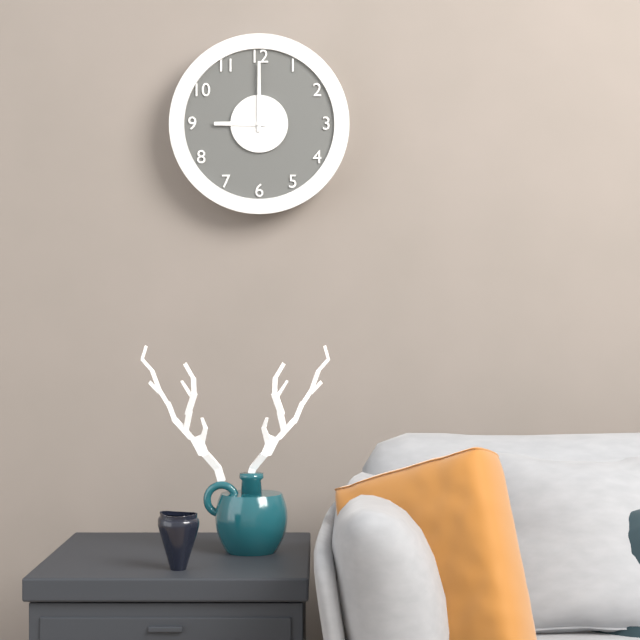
9:00
